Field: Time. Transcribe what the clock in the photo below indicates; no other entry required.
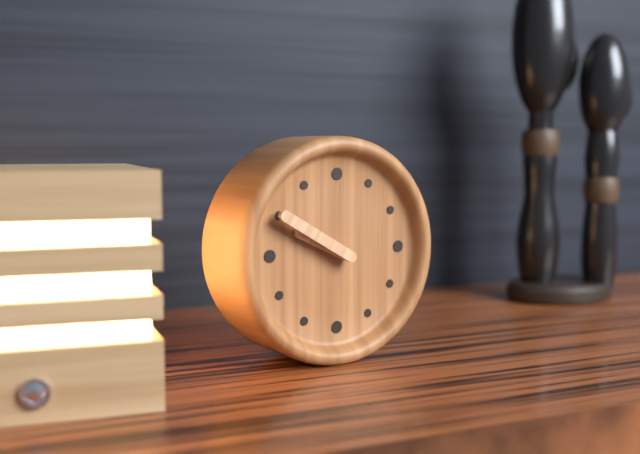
9:50
